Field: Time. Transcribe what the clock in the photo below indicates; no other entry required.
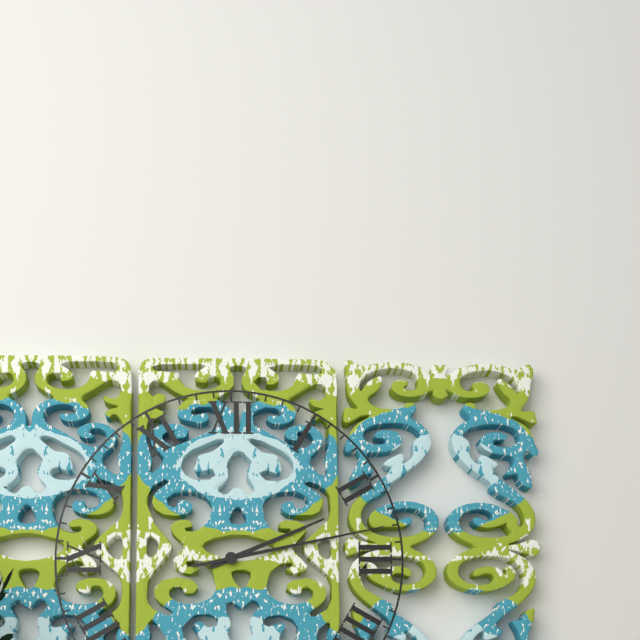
2:13
